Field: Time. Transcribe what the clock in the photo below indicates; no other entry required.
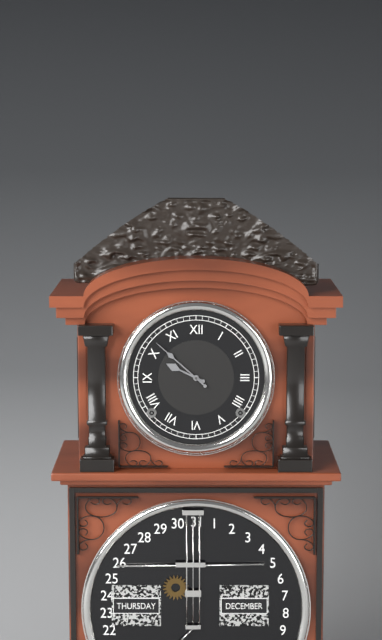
9:52
